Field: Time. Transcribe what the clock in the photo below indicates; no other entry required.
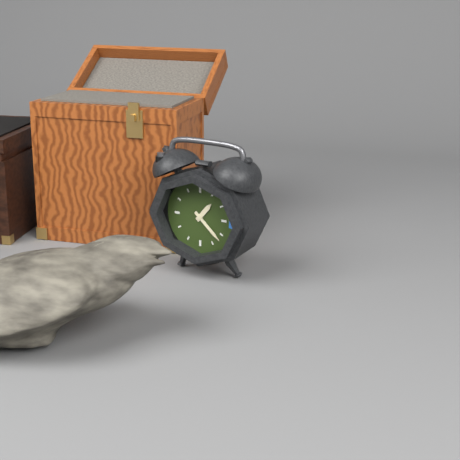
1:22
